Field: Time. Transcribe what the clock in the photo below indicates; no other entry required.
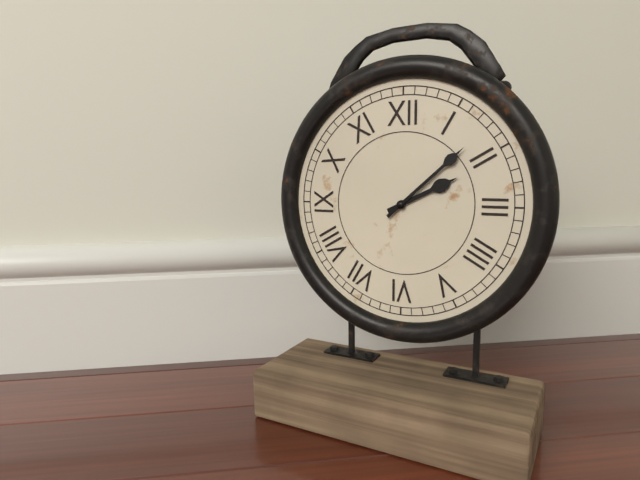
2:08
